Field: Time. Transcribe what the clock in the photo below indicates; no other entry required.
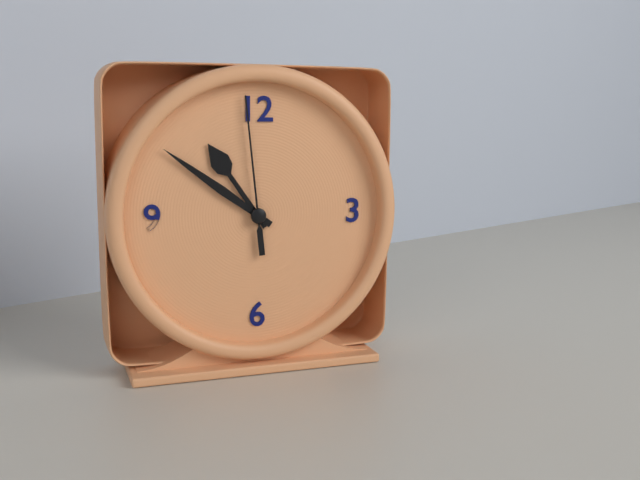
10:51:59
